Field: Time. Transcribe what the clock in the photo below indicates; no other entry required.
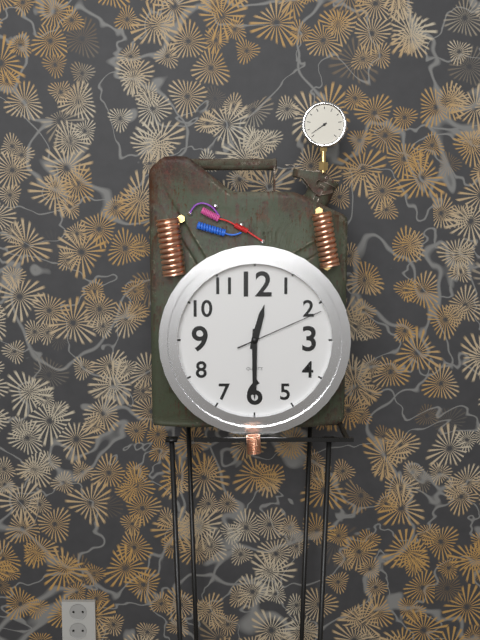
12:30:11
